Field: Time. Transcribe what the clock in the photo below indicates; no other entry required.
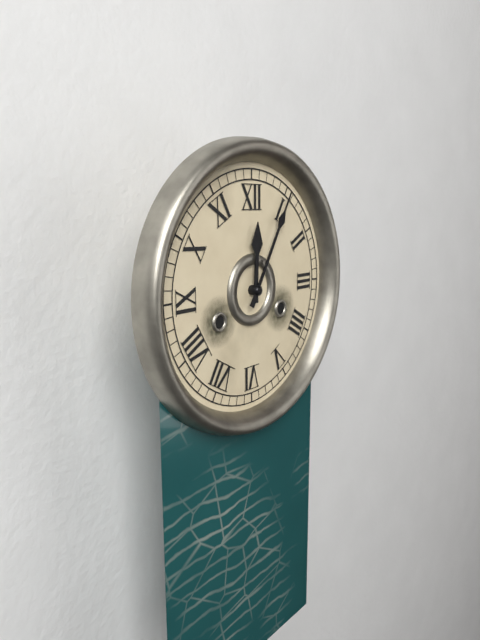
12:05
